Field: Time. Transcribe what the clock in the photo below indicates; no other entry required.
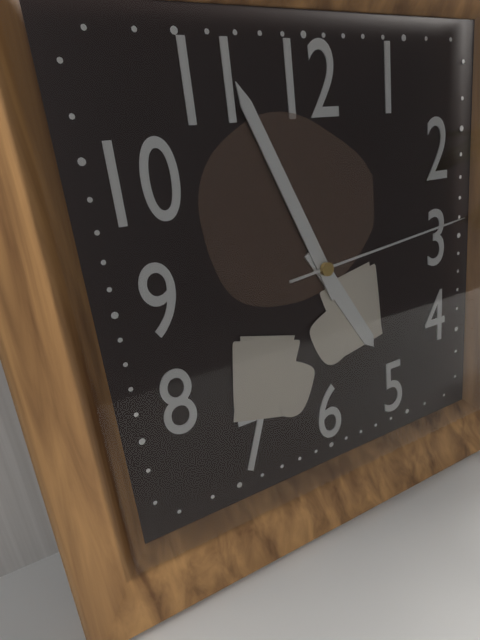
4:56:14
